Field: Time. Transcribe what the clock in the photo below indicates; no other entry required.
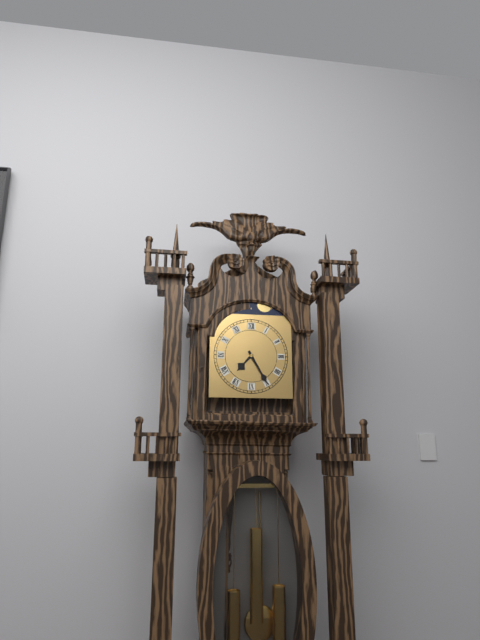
7:25
